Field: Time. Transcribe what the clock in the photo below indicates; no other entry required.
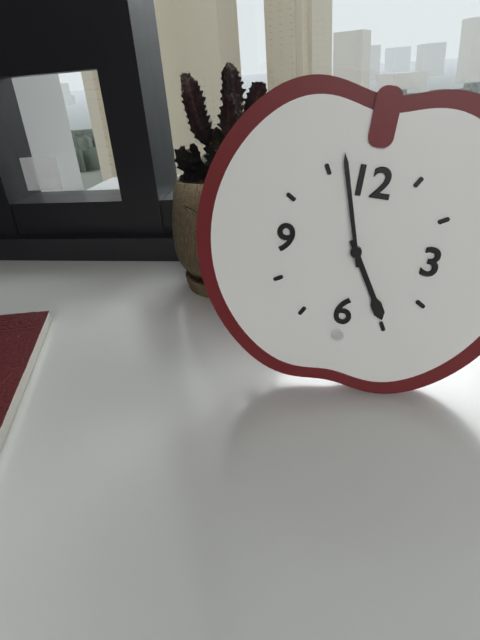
4:57
